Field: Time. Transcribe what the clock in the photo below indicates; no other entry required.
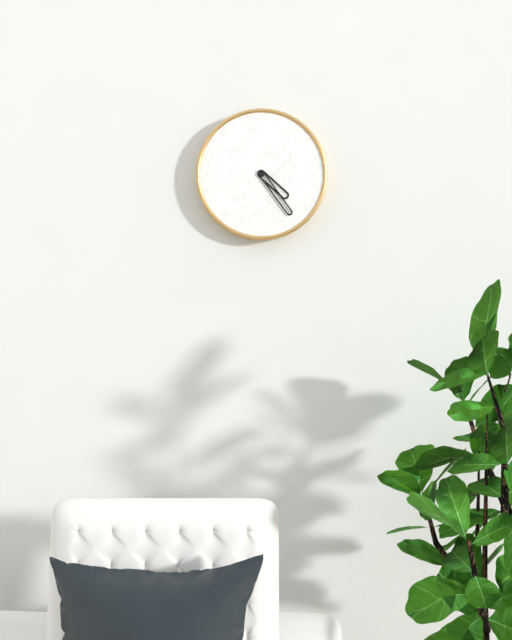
4:24
